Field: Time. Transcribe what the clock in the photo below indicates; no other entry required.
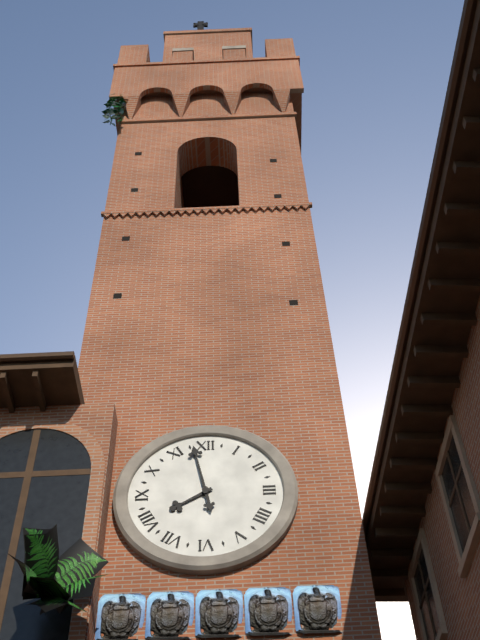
7:58
